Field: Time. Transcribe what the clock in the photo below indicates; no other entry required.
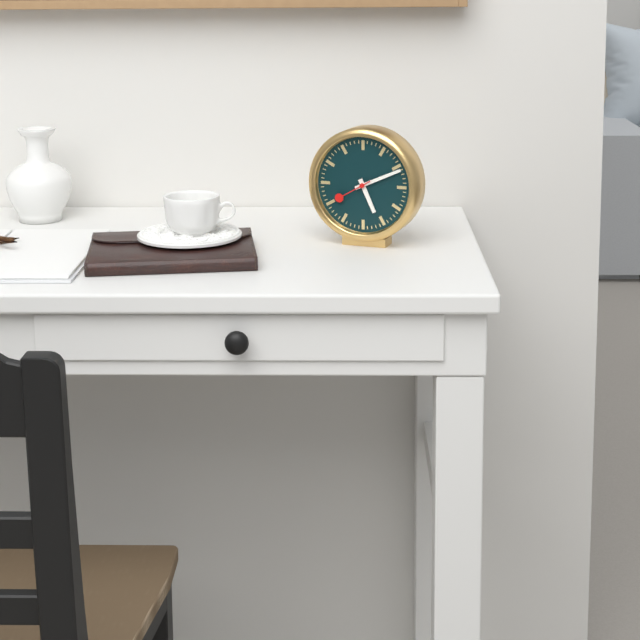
5:11
